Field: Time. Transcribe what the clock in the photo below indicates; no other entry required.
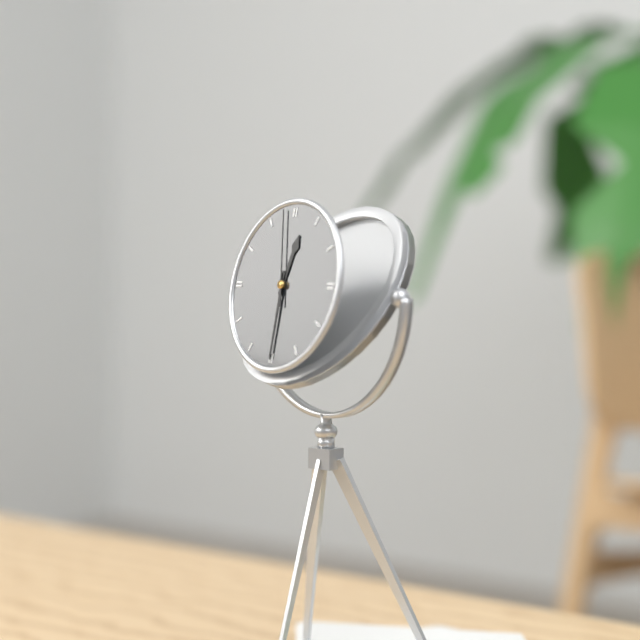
12:30:58
